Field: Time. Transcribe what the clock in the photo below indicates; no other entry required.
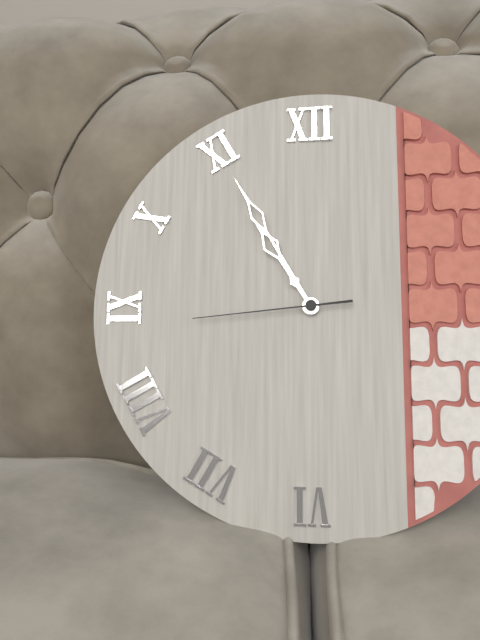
10:55:44
